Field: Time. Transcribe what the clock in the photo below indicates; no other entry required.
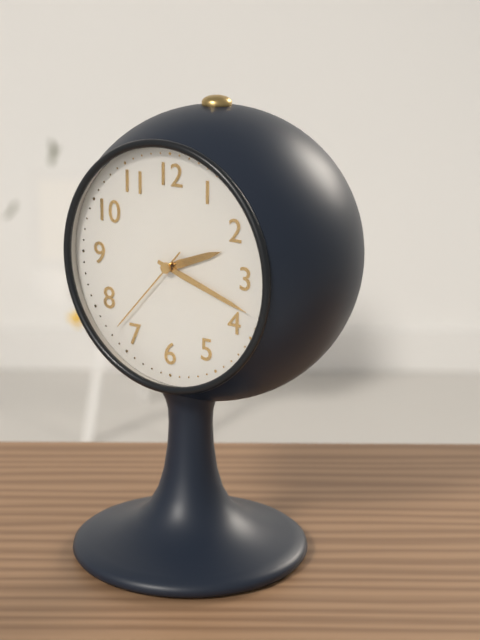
2:18:37
